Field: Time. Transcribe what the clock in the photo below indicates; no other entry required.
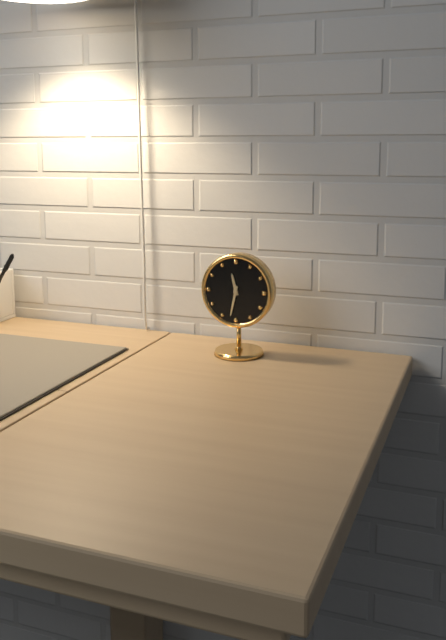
11:32
